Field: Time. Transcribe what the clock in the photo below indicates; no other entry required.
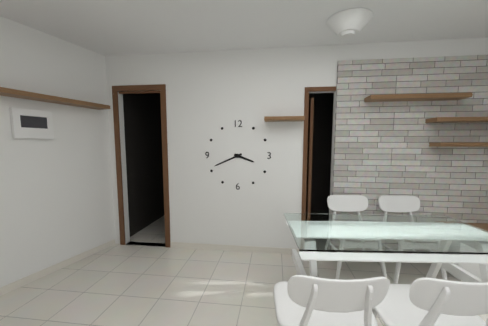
3:41
